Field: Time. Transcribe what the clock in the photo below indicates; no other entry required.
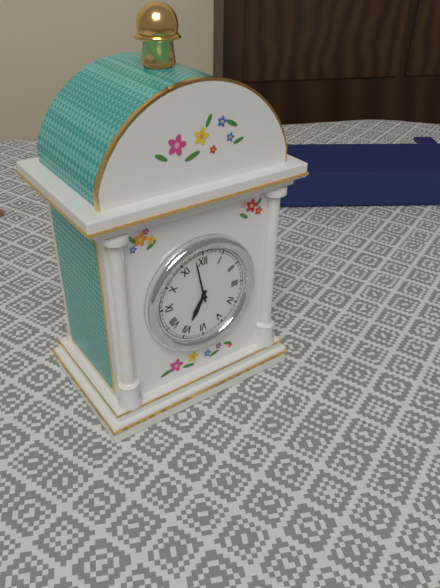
6:58
